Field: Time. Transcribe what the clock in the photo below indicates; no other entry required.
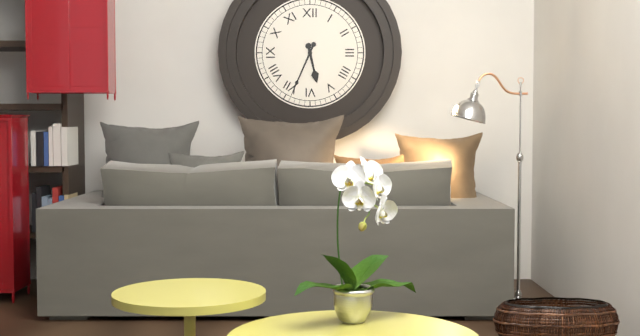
5:34
